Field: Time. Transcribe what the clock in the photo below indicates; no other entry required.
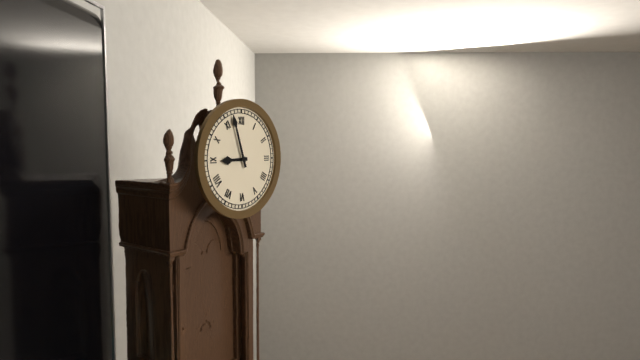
8:57
